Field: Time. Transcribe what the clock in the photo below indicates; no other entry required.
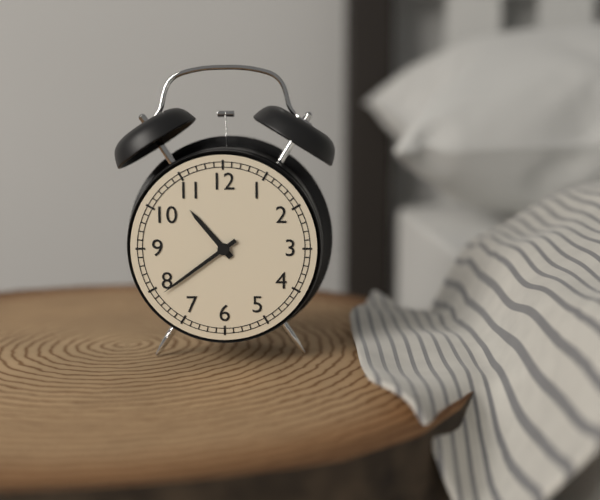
10:39
